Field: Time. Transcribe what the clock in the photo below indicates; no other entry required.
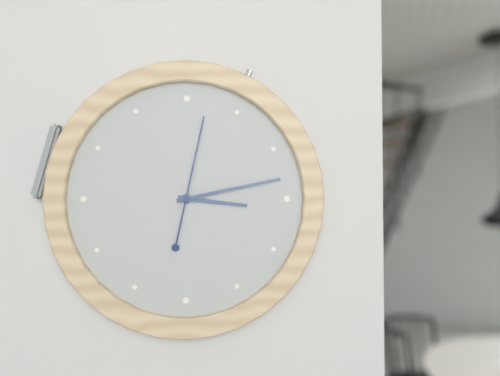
3:13:02
